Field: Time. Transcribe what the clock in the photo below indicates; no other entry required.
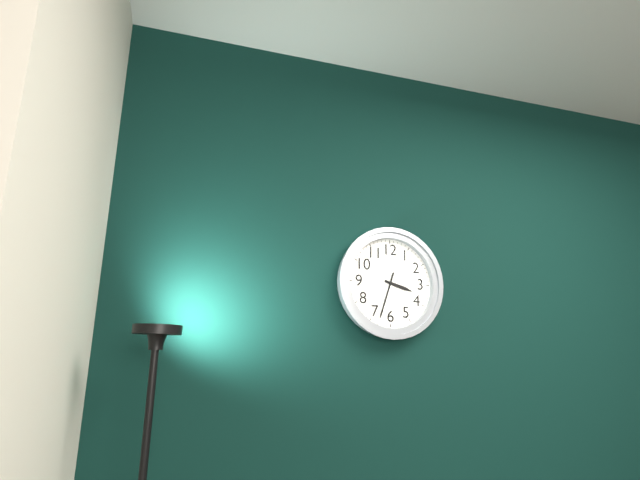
3:33
